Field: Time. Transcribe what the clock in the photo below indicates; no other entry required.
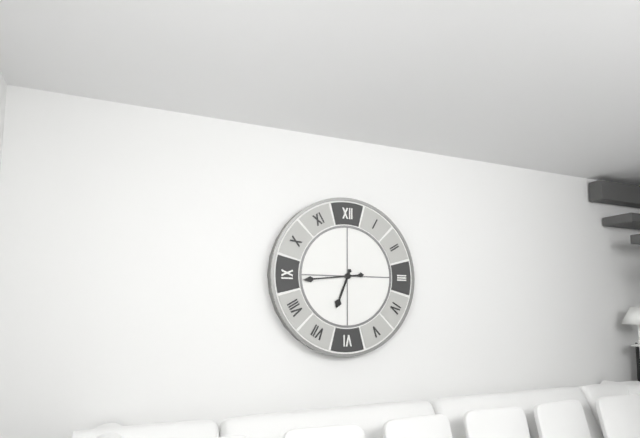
6:44
